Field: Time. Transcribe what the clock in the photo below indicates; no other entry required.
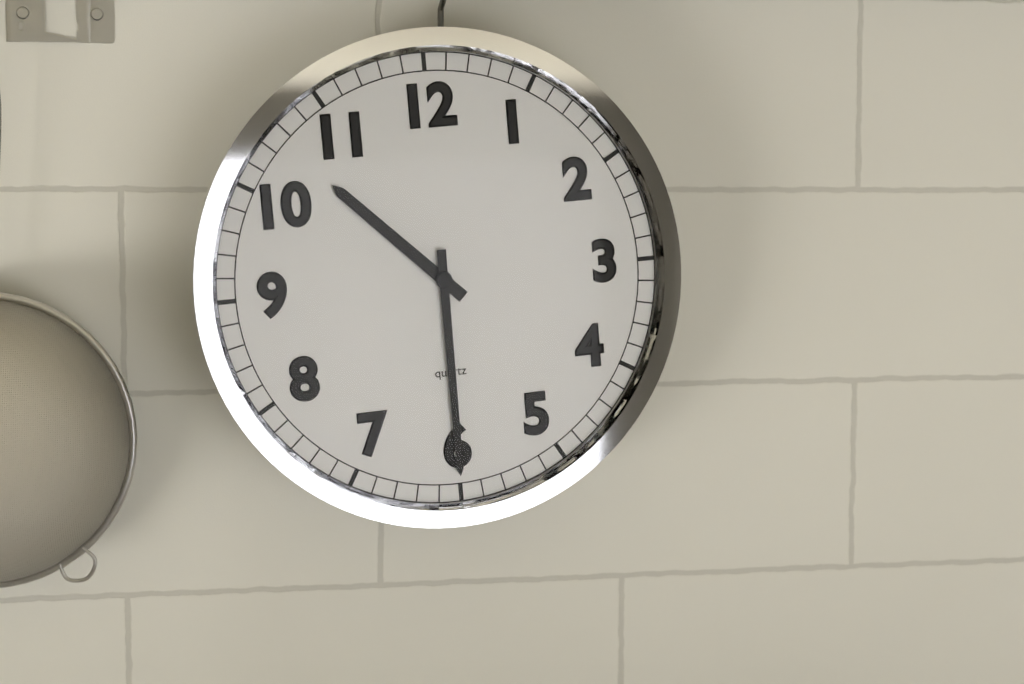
10:30
